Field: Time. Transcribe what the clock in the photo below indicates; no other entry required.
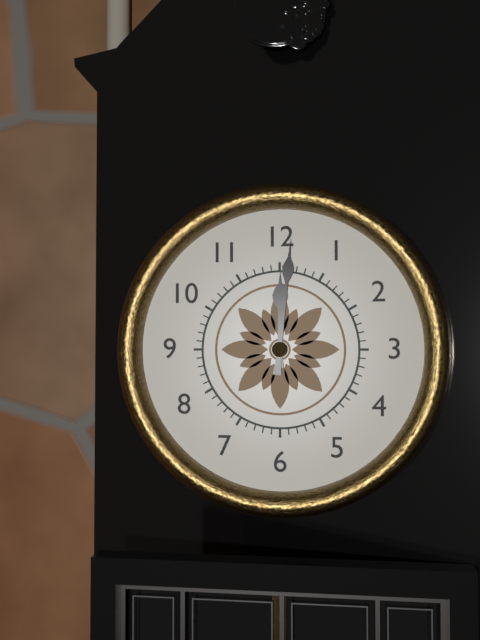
12:01
